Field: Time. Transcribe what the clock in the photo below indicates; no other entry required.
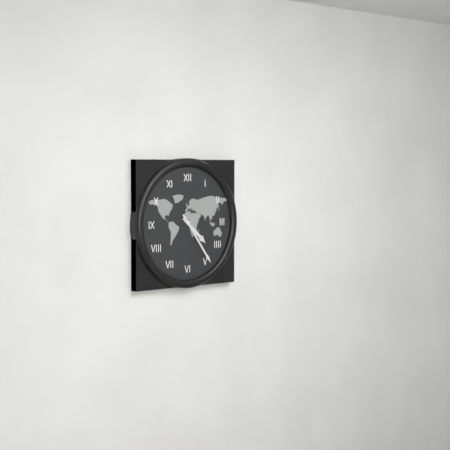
4:24
